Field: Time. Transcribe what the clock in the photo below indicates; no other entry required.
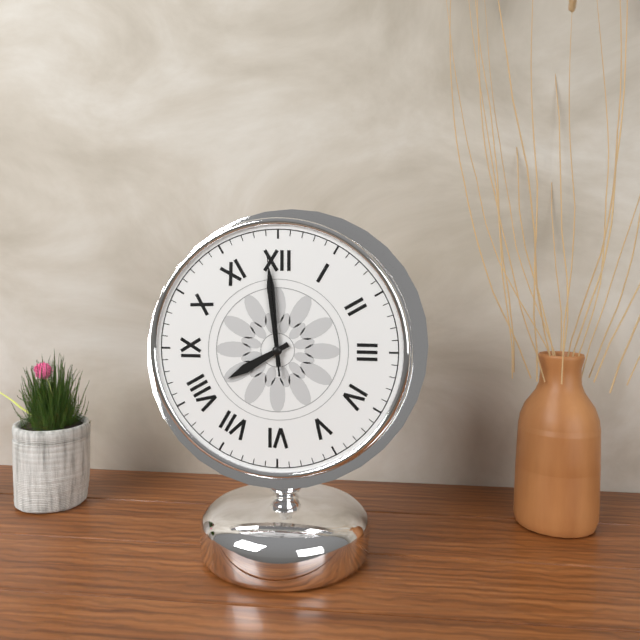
7:59:59
